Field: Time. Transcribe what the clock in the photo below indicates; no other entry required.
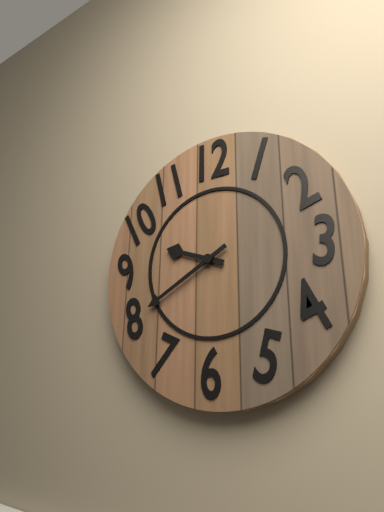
9:40
